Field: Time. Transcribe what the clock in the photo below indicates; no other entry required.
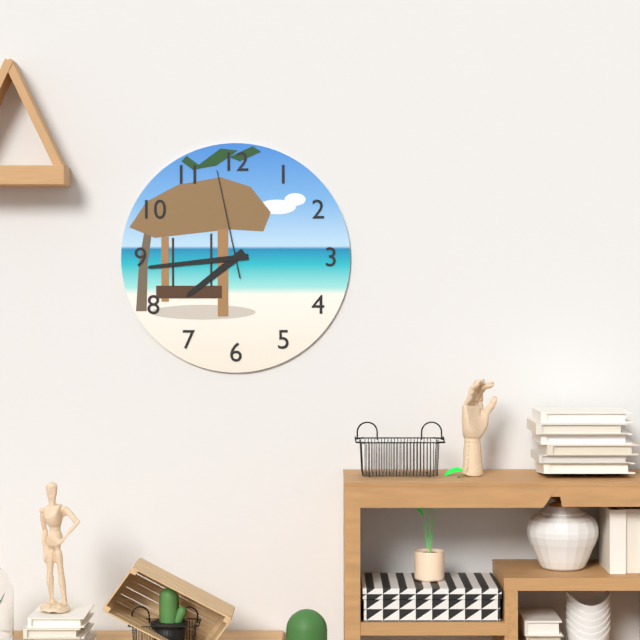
7:44:58
